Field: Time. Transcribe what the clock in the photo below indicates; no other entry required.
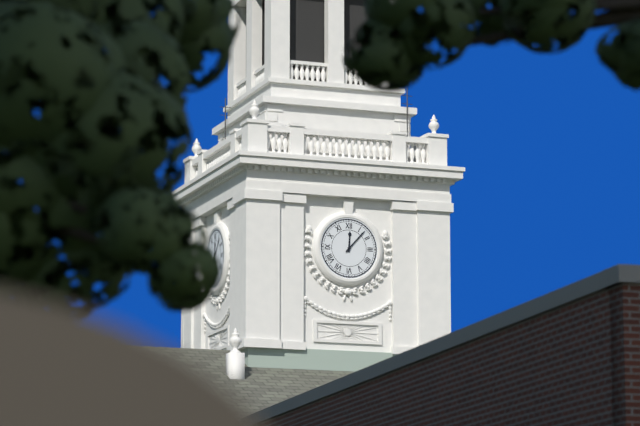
12:07
